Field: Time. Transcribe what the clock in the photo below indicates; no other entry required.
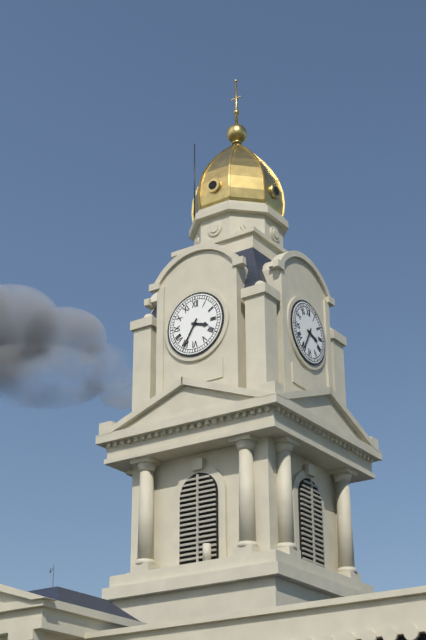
3:35
